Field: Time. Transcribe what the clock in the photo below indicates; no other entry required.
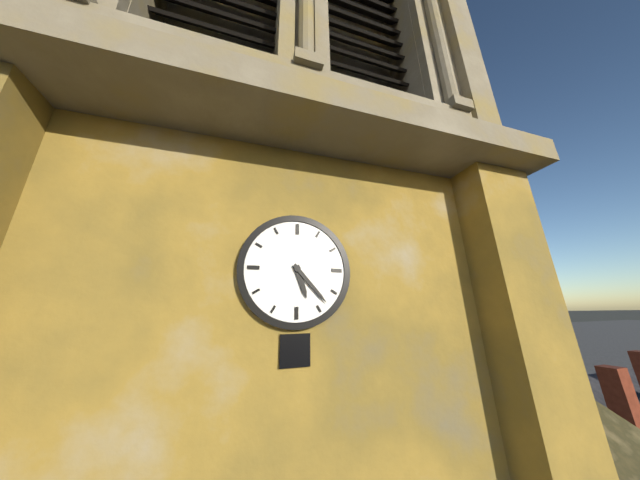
5:23
